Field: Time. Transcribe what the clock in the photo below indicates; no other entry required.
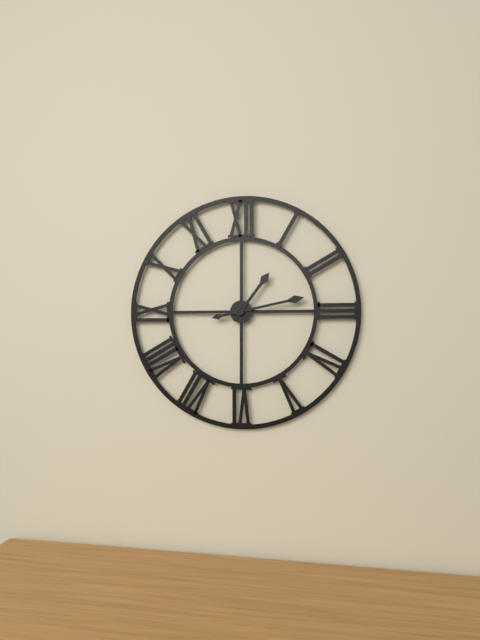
1:13
